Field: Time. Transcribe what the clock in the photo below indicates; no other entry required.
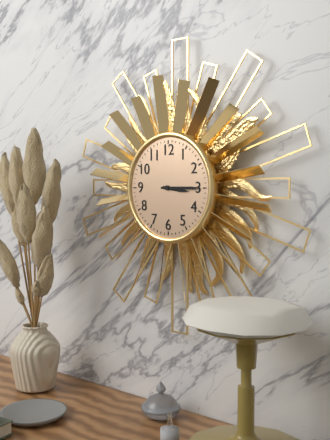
3:15
